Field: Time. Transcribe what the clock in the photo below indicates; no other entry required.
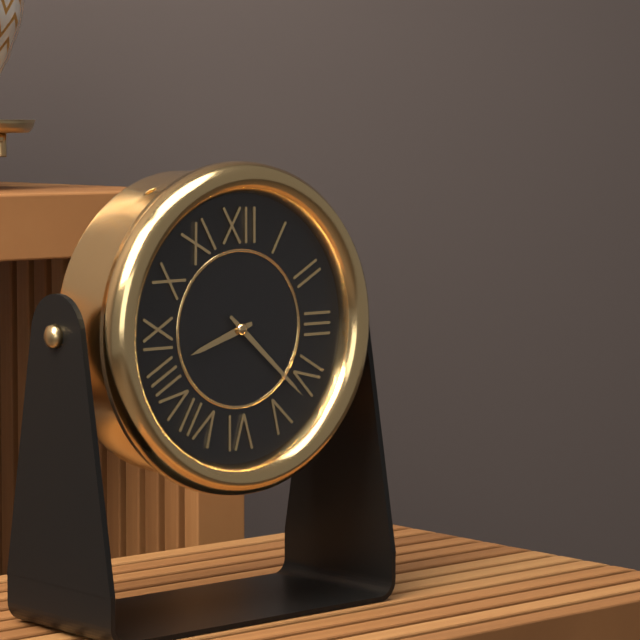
8:22
